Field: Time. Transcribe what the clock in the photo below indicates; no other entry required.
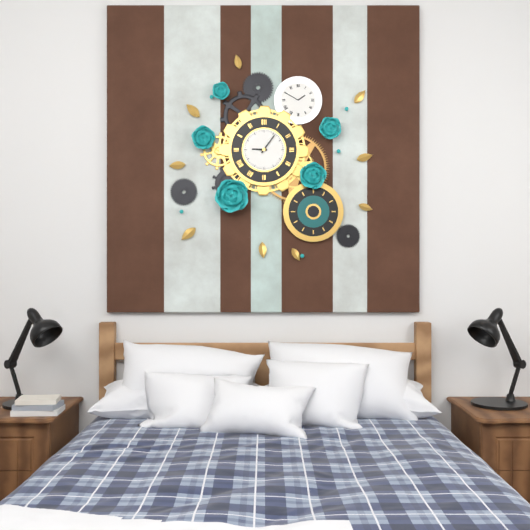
9:06
